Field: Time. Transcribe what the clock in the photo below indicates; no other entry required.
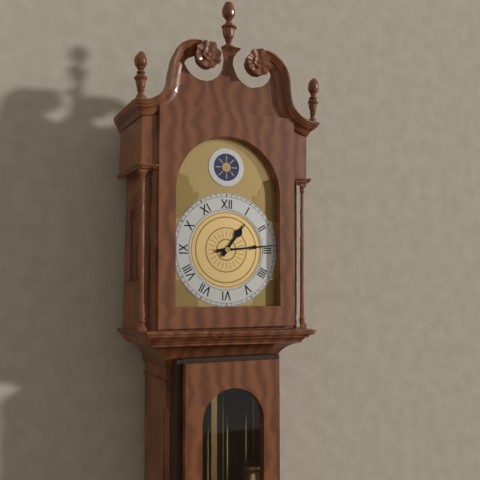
1:14
